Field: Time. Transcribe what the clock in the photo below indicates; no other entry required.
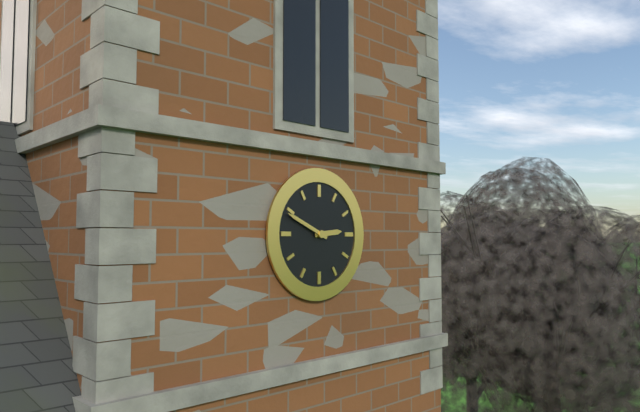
2:49
